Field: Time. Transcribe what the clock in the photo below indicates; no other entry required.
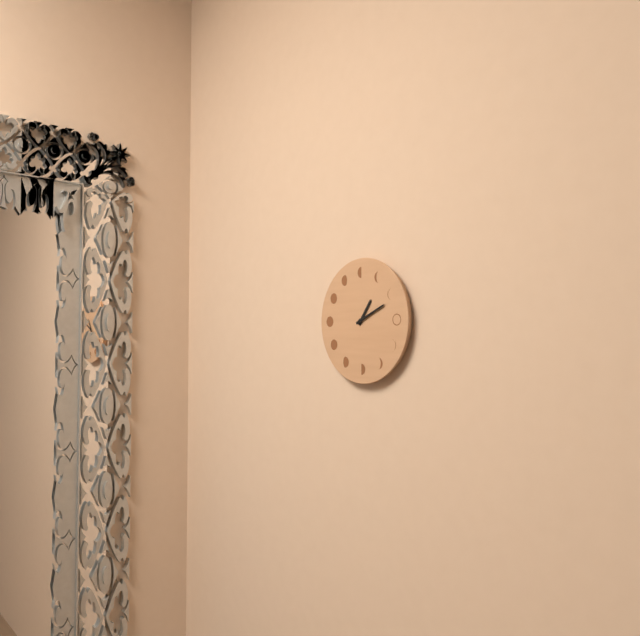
1:11
